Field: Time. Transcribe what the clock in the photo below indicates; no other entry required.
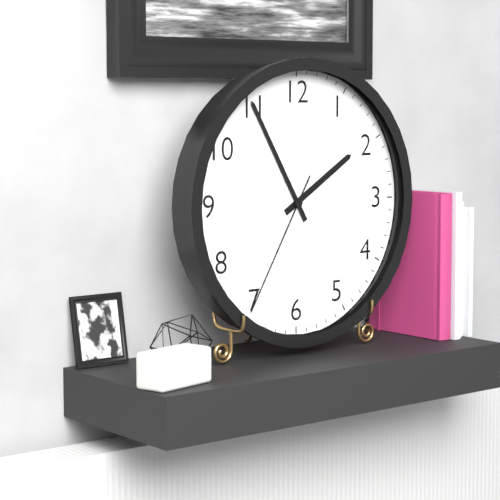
1:55:35
